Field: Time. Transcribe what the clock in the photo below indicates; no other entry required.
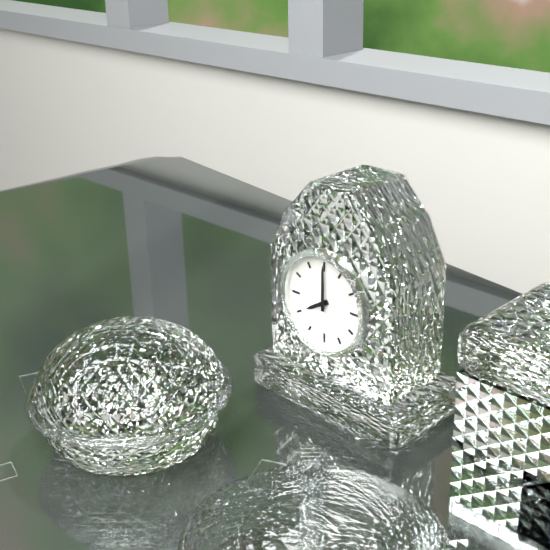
8:00
